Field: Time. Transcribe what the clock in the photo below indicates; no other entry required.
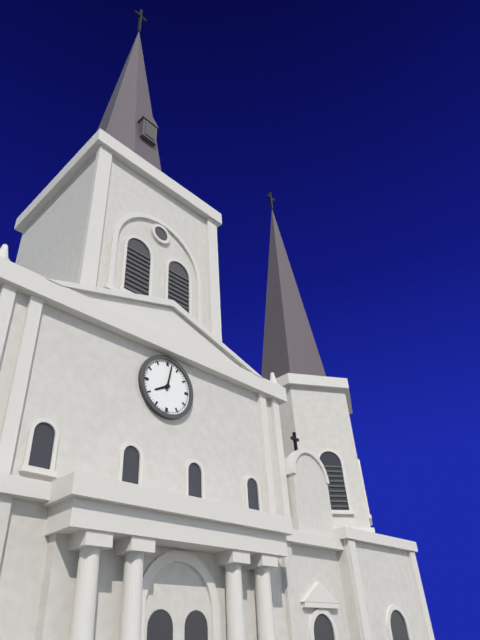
8:02
